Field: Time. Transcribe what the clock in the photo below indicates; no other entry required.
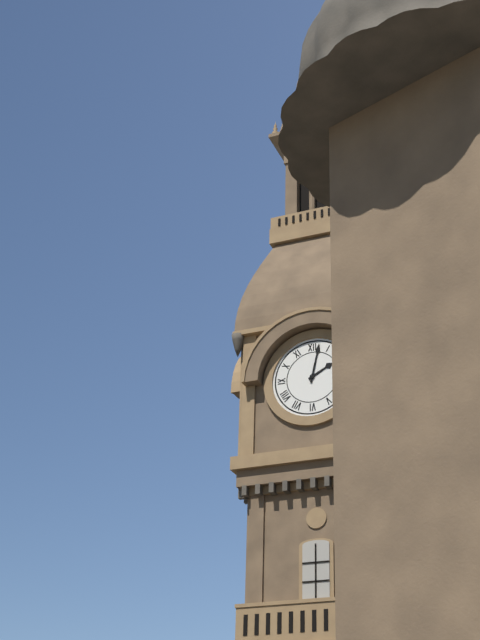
2:02
